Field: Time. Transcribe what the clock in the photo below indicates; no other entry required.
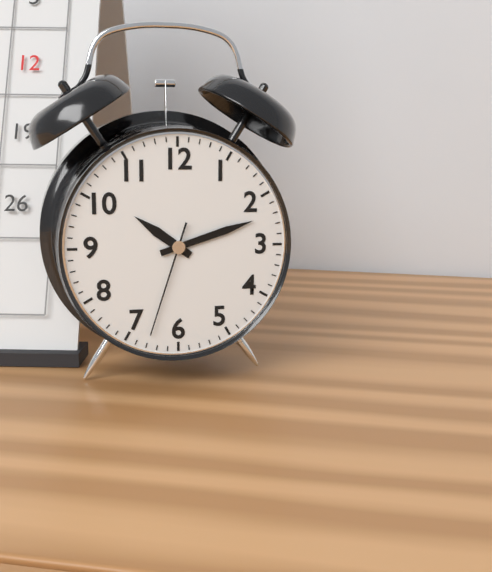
10:12:33
